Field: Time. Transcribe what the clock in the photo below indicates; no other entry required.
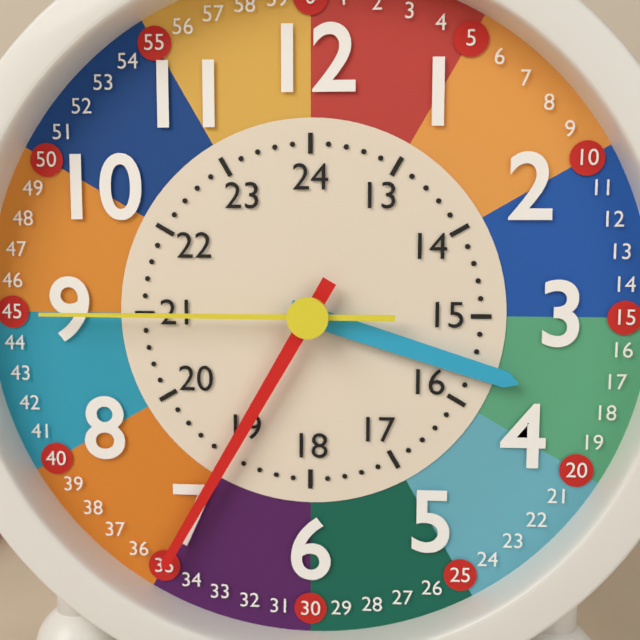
3:35:45
